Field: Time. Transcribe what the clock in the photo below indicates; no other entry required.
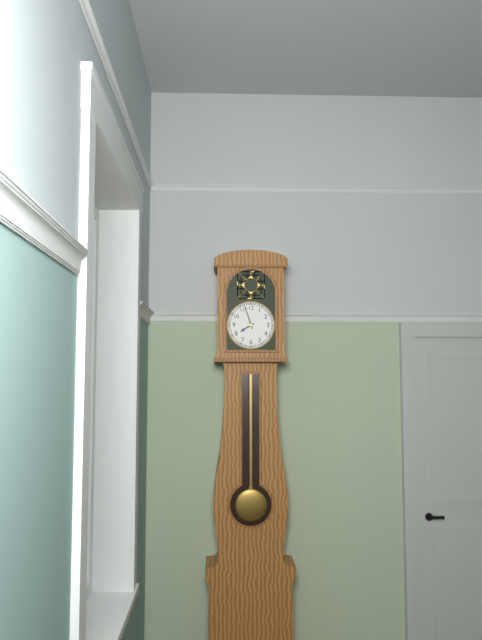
7:57
